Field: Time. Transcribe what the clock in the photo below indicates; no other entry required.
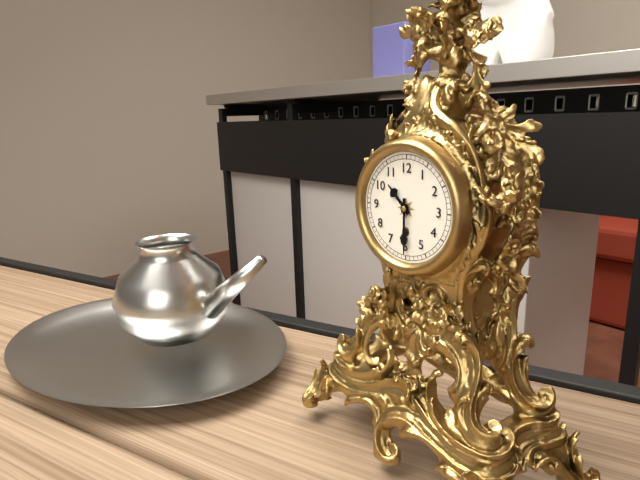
10:30
